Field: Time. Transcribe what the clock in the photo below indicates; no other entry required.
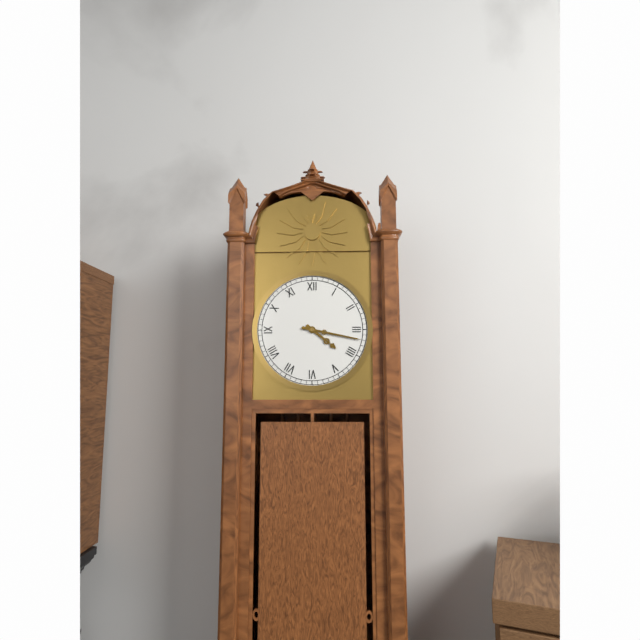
4:17
